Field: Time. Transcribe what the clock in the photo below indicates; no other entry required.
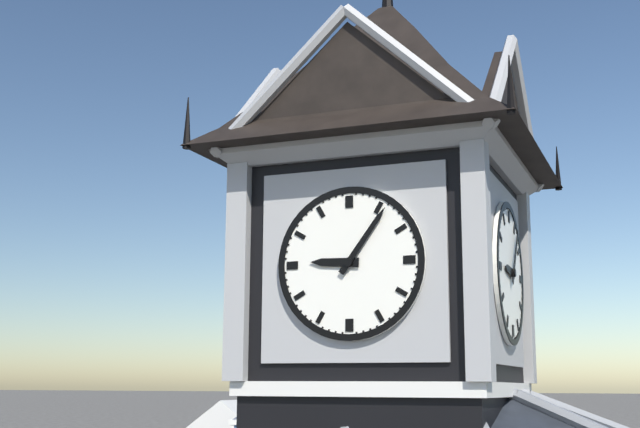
9:06
